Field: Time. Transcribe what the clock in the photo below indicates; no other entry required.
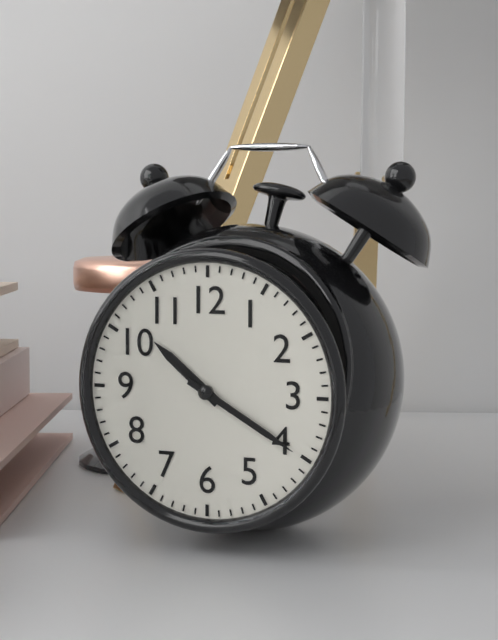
10:20
